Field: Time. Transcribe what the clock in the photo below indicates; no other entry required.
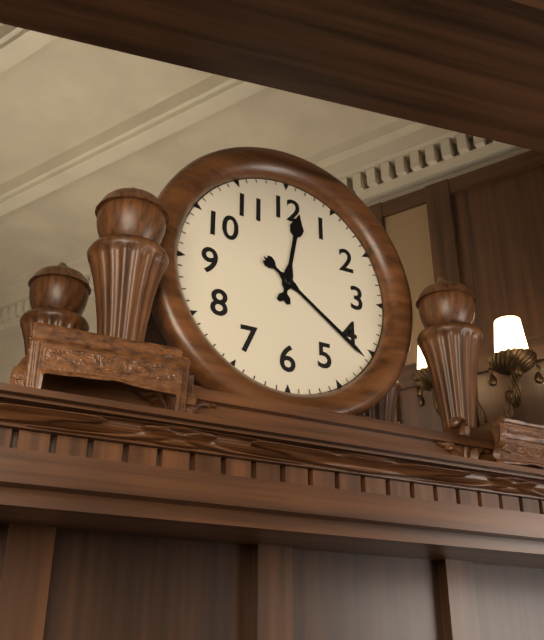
12:21
